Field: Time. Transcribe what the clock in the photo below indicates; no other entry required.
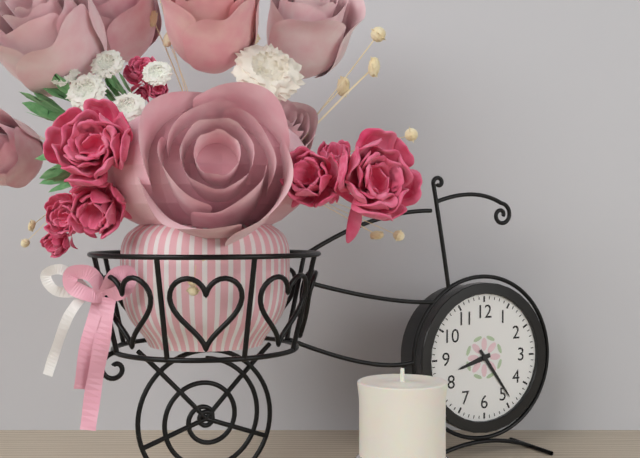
8:24
